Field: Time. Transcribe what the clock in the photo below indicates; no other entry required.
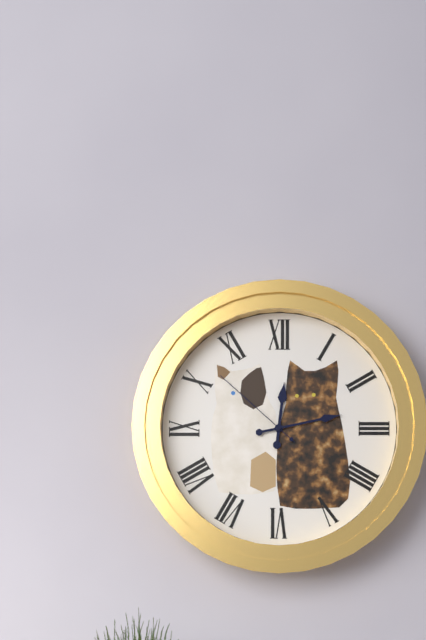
12:13:52
